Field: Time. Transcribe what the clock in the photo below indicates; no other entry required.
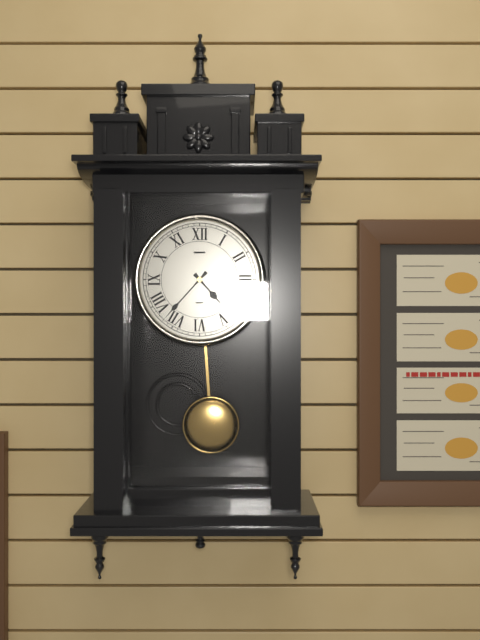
4:37
